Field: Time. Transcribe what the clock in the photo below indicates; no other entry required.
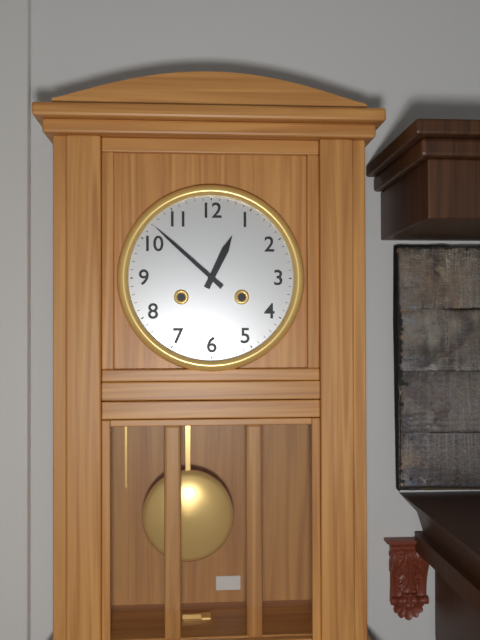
12:52
